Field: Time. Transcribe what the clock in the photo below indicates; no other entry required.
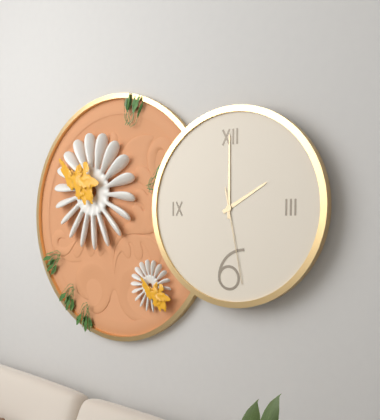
2:00:28
